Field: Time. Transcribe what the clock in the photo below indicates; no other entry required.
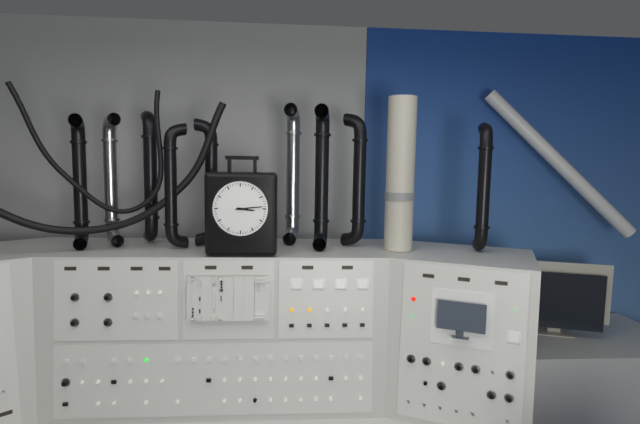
3:14
